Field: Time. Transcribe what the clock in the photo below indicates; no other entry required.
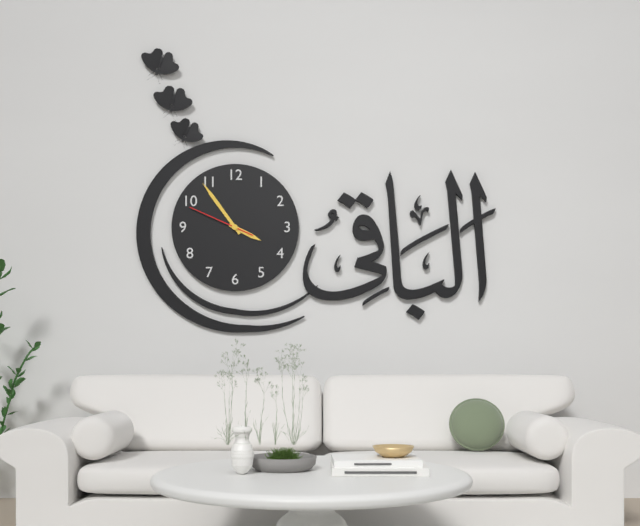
3:54:49
